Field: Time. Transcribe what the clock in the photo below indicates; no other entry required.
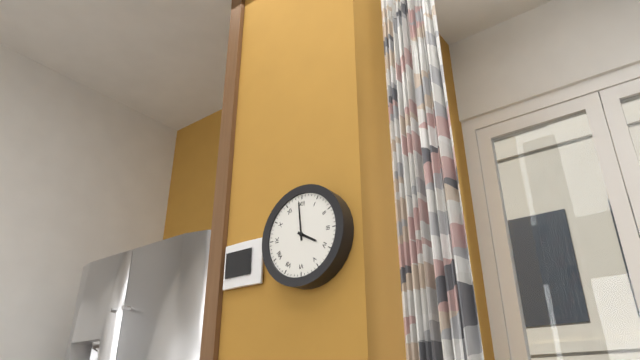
3:59
